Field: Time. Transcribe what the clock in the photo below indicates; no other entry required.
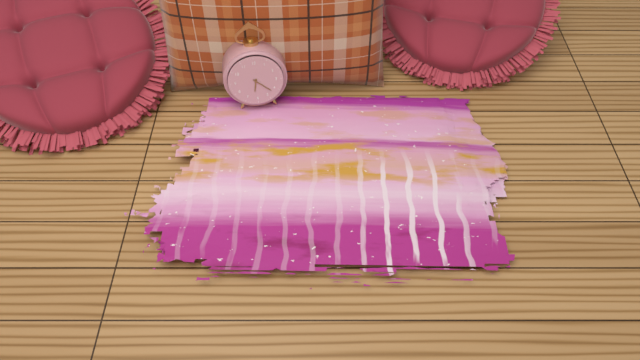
6:22
